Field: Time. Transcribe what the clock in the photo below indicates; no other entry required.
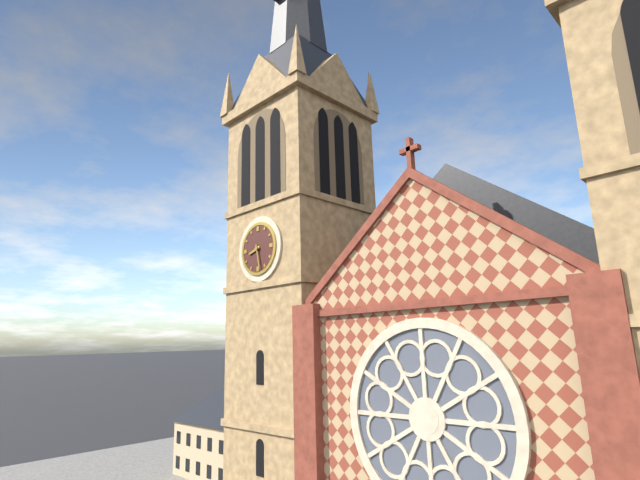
8:28
